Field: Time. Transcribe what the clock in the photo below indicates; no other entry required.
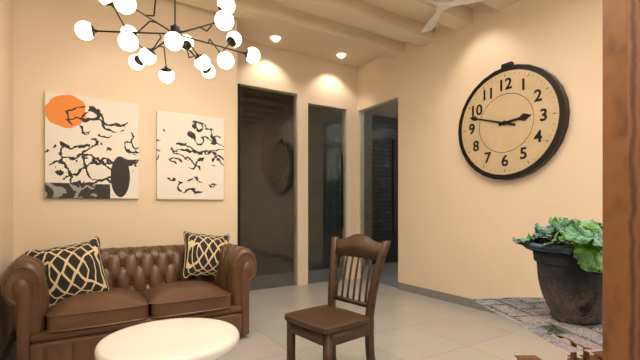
2:48
